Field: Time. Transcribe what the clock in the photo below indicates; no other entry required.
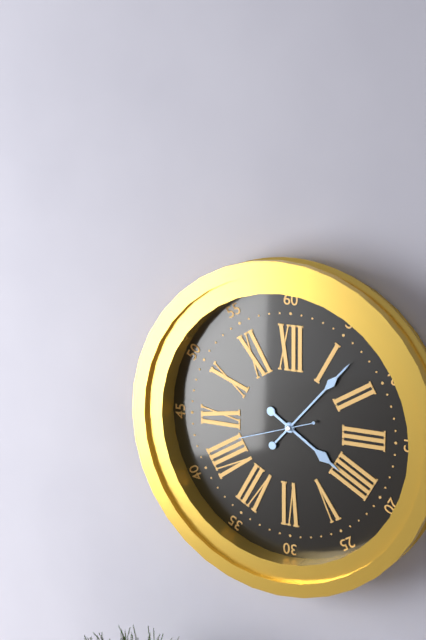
4:07:42
